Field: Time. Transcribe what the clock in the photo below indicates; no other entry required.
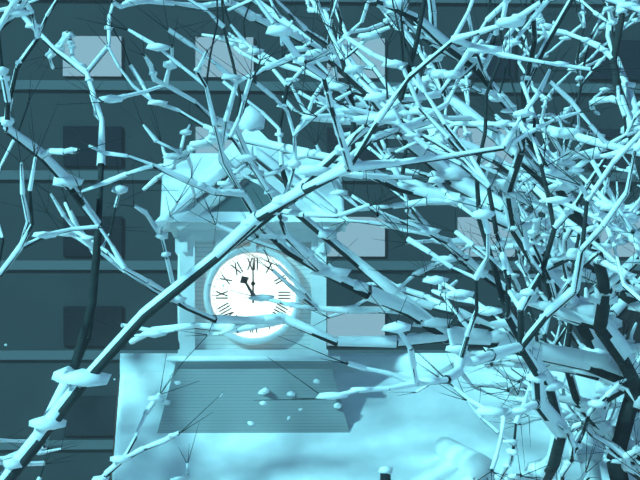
11:00
